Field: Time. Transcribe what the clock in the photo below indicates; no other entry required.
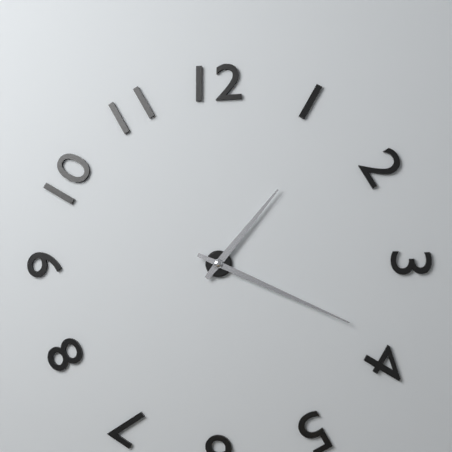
1:19
